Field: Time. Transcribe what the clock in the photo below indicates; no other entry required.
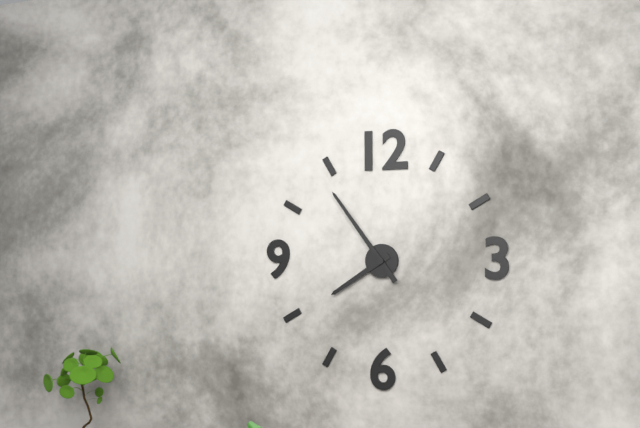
7:54
